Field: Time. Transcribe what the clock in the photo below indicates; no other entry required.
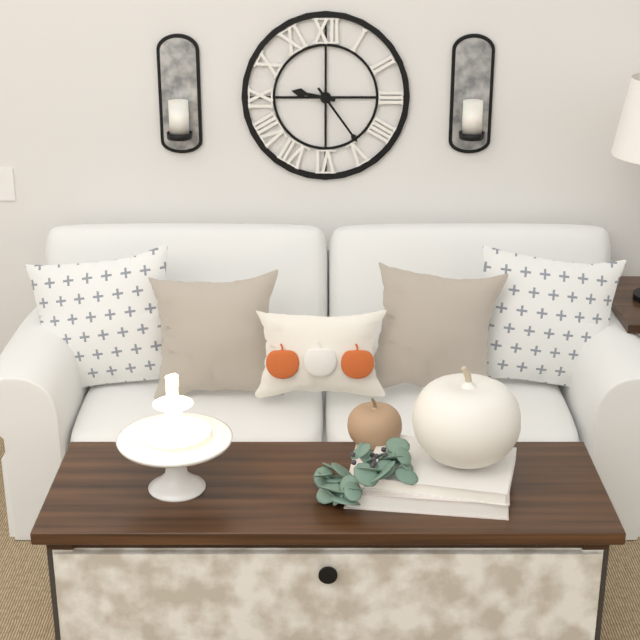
9:24
